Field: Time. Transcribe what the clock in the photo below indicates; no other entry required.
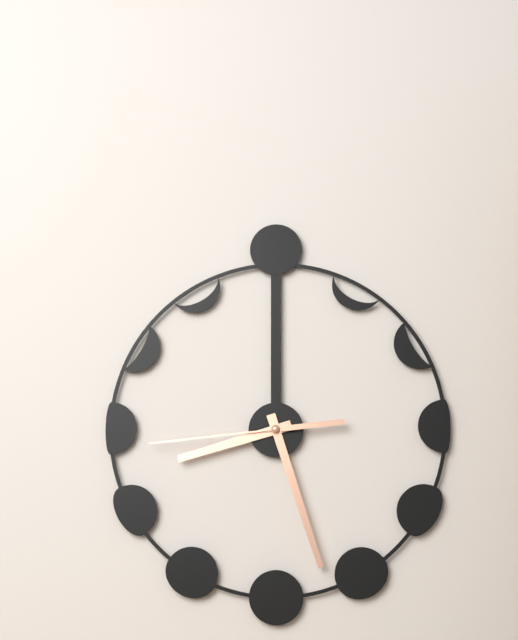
8:27:44
